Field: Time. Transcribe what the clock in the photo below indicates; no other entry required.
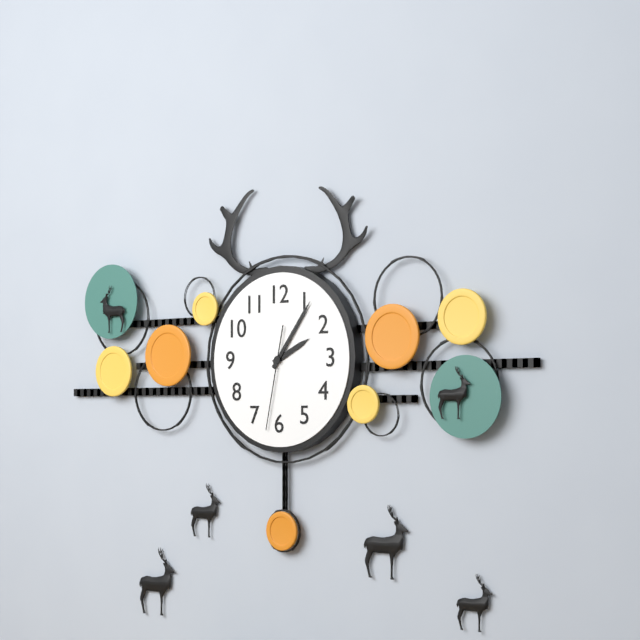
2:06:32
